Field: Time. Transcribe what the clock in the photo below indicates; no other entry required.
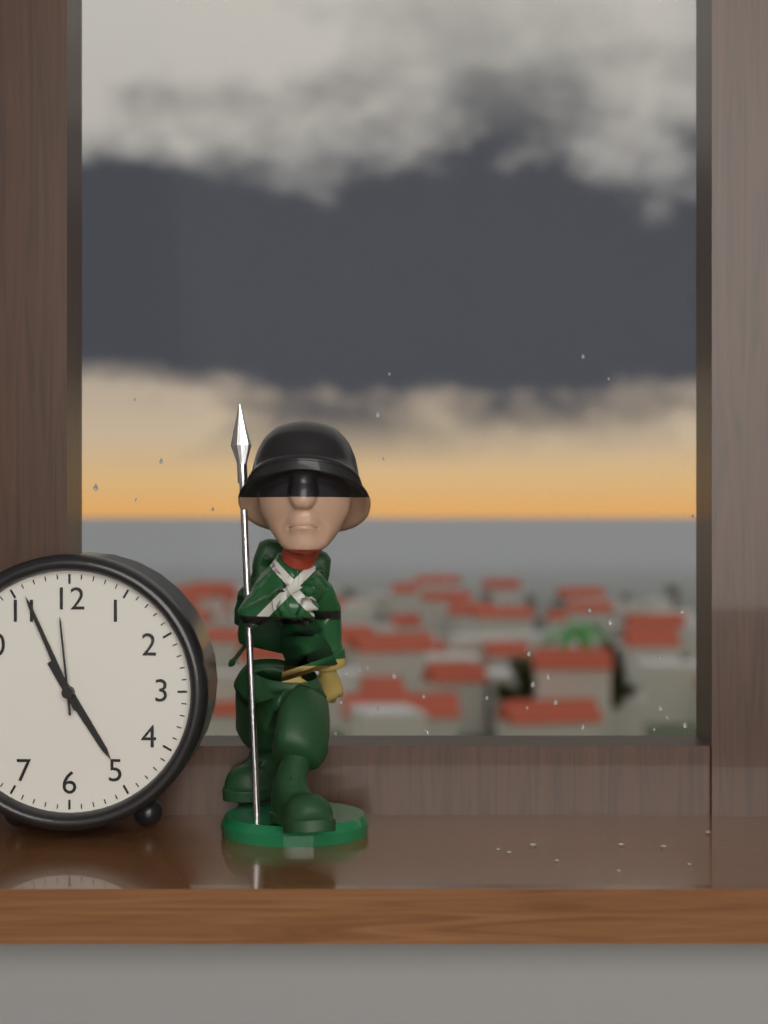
4:56:59
